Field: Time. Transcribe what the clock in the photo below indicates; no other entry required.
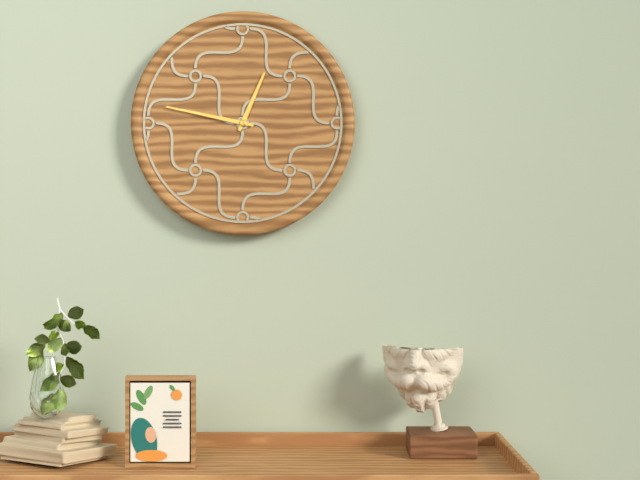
12:47
